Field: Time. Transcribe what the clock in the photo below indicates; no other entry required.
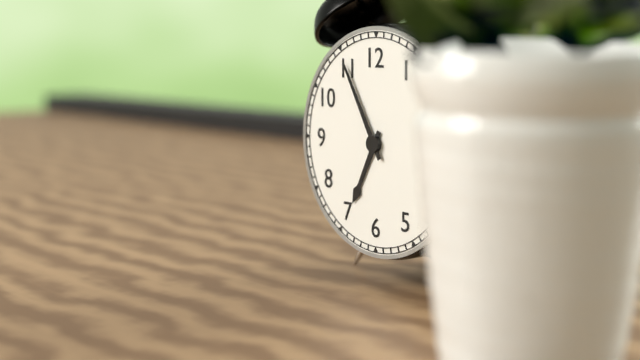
6:55
